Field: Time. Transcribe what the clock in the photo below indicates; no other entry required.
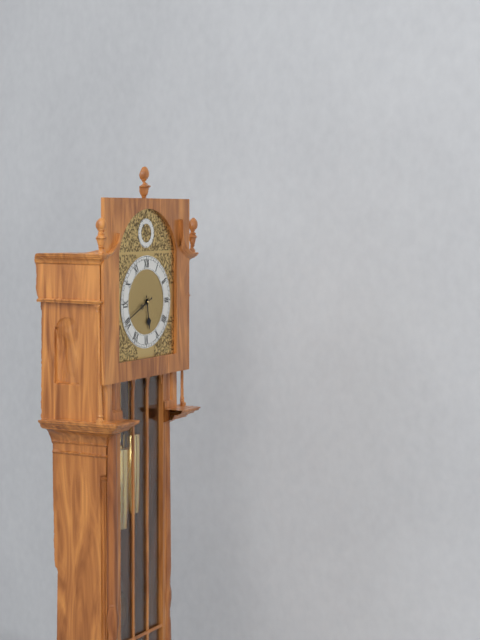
5:41
